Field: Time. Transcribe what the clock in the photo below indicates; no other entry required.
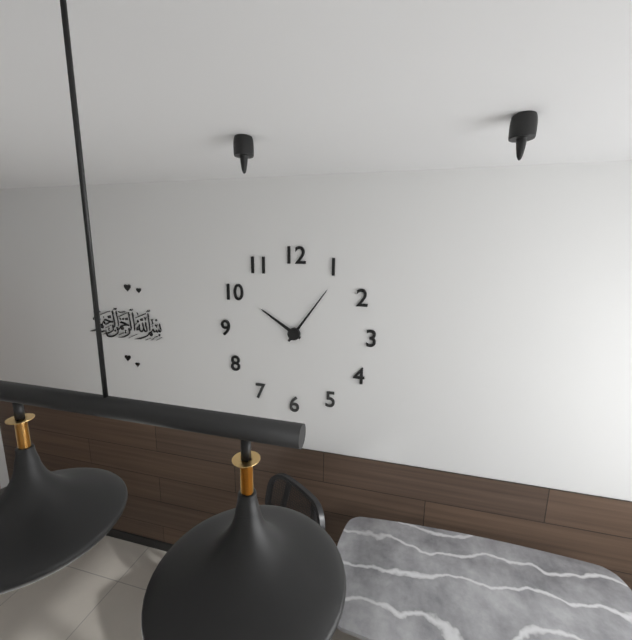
10:06
